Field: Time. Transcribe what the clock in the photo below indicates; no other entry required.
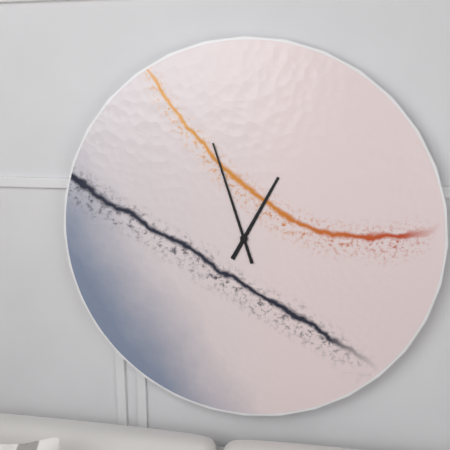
12:57
